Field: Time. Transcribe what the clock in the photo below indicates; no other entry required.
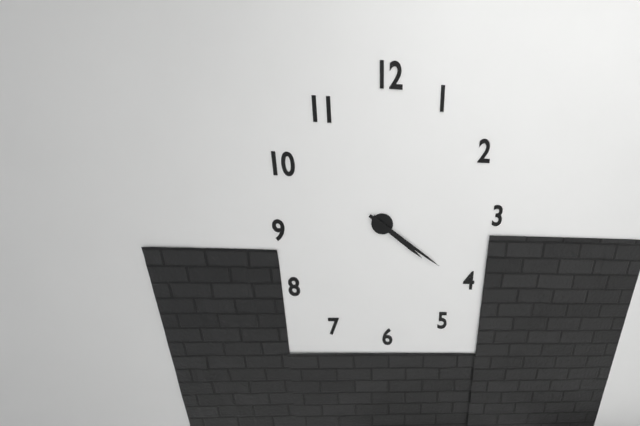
4:21
